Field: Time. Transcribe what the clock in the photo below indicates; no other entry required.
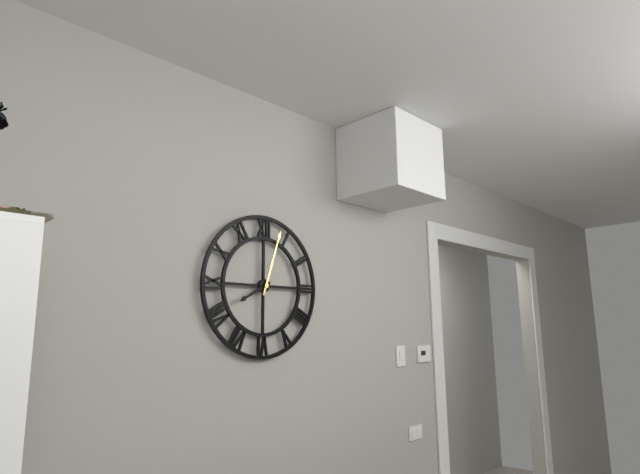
8:03
